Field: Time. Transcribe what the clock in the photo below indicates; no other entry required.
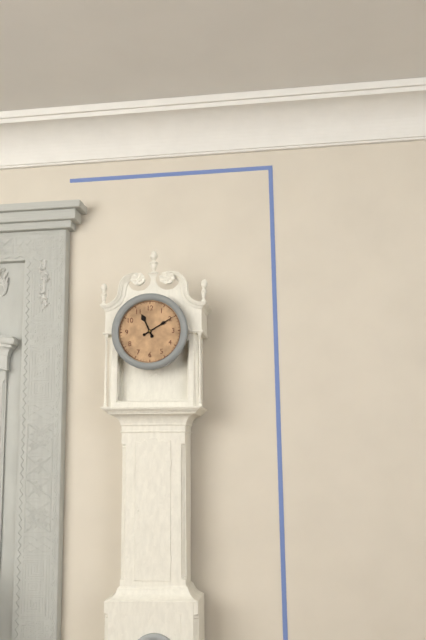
11:10
